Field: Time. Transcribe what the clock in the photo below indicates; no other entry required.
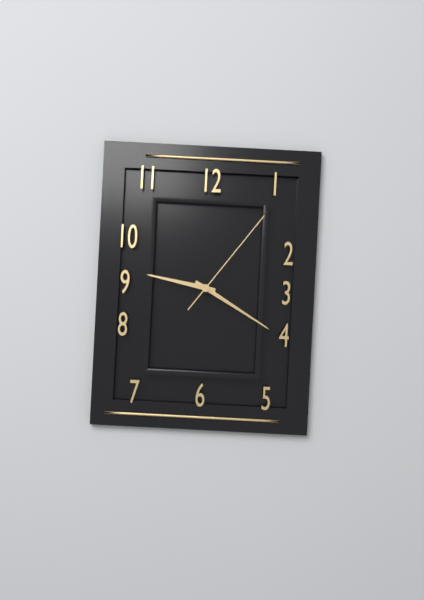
9:20:06
